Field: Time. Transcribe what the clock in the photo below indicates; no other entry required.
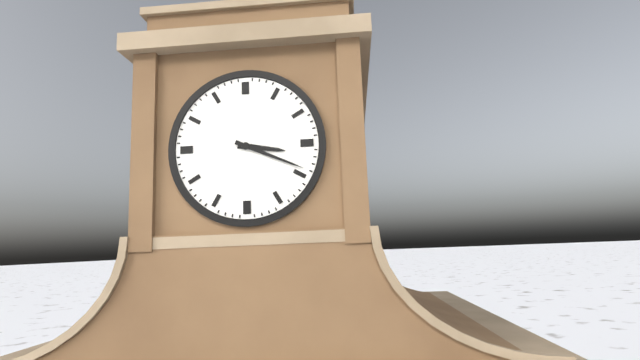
3:19
